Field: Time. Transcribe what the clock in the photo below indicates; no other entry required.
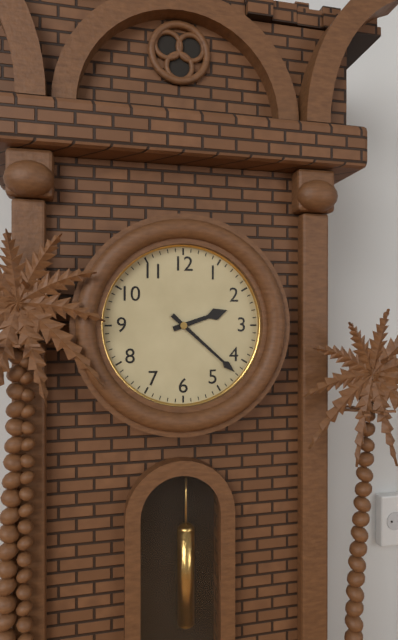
2:22
